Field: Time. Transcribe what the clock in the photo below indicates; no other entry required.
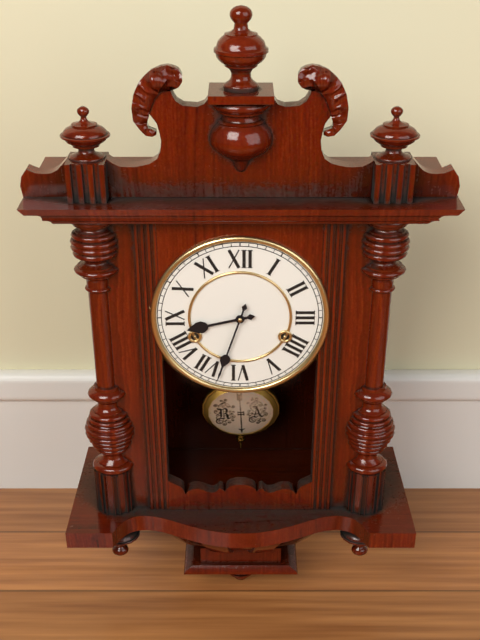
8:33
